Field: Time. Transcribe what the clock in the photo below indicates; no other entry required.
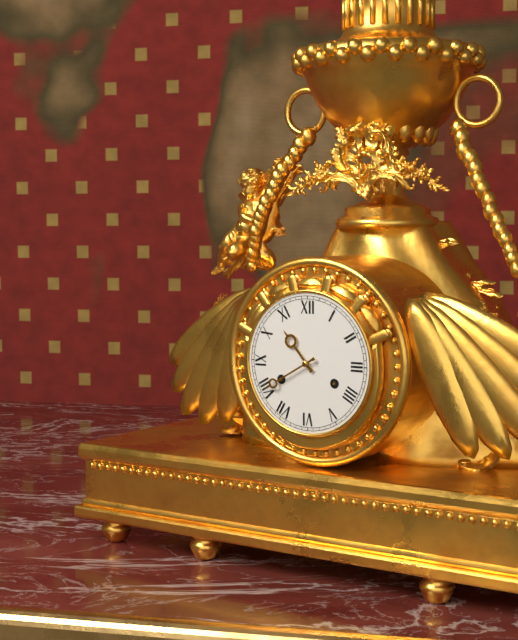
10:40
